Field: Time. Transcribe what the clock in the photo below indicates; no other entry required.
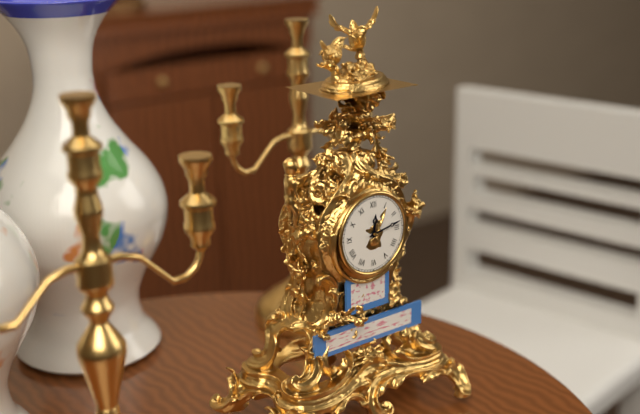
12:13
